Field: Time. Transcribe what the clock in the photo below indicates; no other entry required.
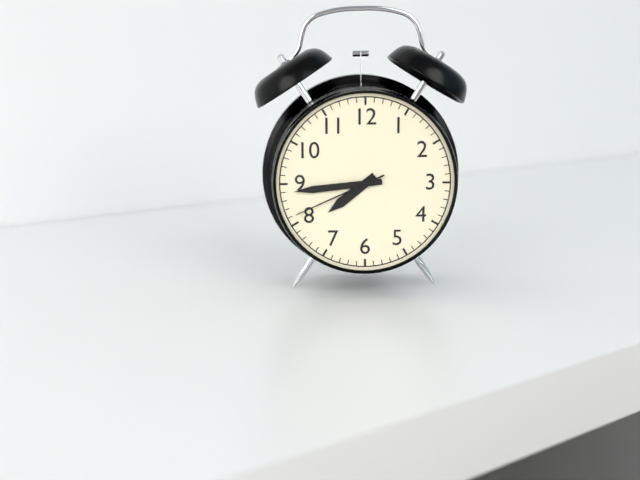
7:44:41
